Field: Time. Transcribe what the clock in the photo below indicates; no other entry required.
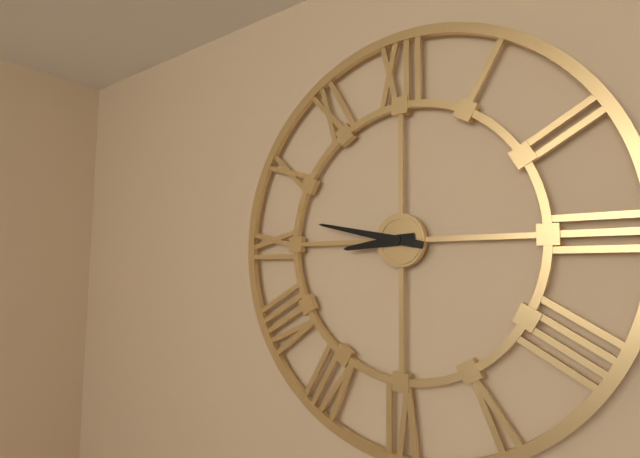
8:47
